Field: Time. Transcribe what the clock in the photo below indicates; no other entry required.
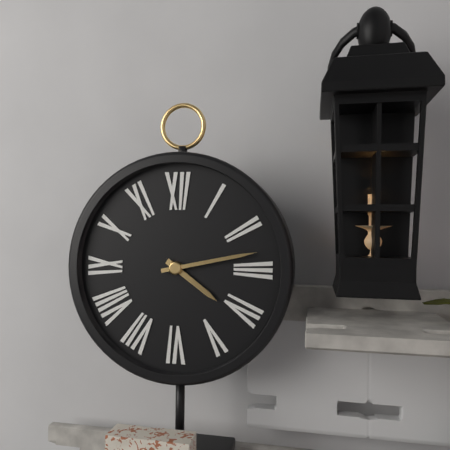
4:13
